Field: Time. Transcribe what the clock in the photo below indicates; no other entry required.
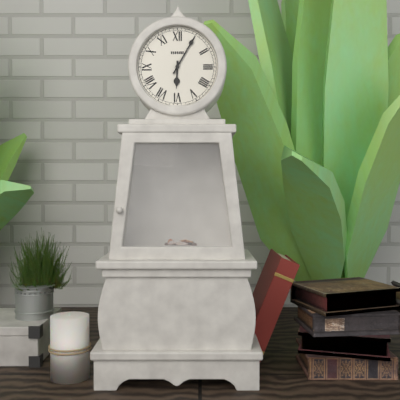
6:05
